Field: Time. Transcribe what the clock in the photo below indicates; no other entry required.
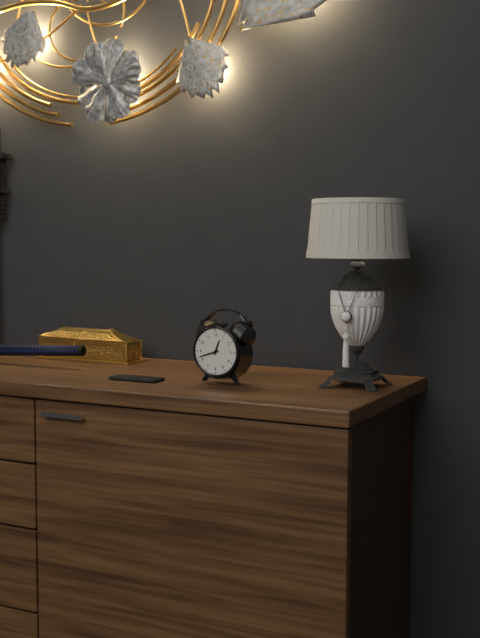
12:42
